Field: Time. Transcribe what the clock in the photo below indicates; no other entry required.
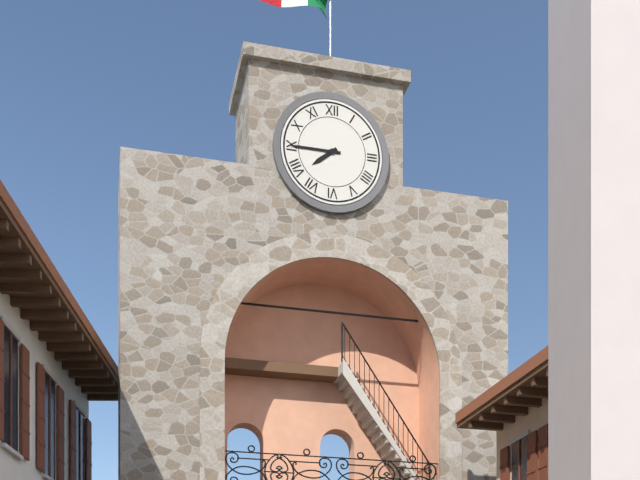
7:45
